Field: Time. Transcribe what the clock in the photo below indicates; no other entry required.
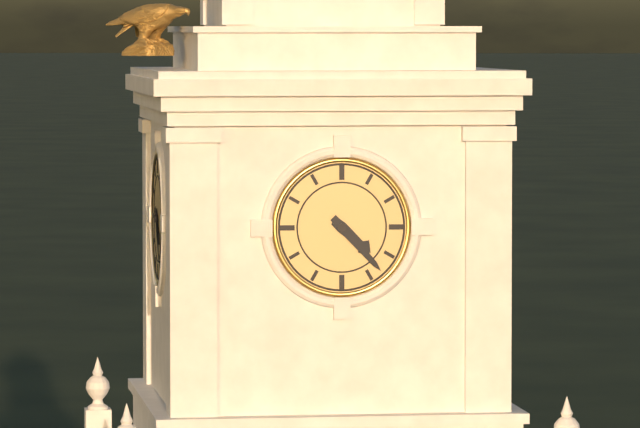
4:23
